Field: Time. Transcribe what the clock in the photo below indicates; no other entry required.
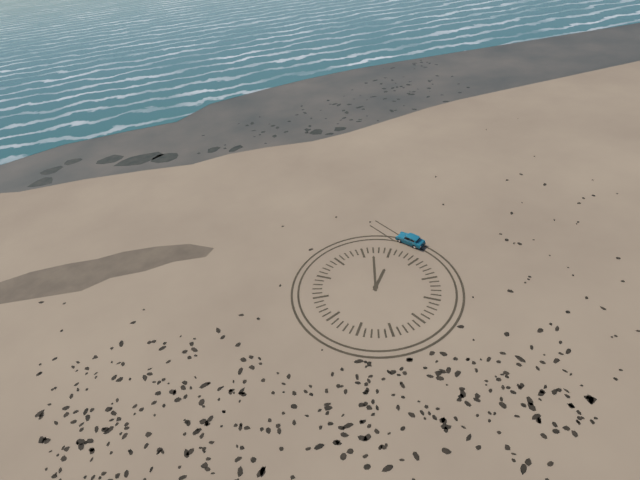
2:07
